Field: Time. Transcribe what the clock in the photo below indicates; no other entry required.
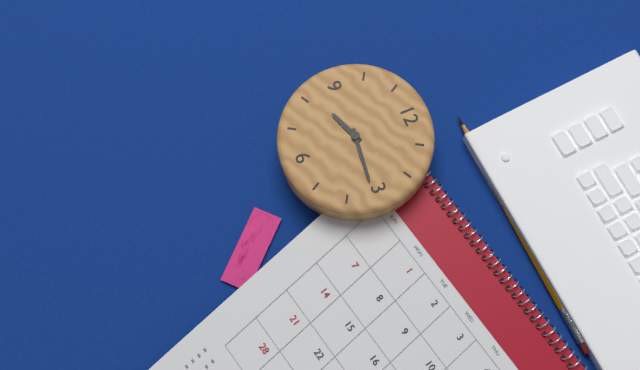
8:16
